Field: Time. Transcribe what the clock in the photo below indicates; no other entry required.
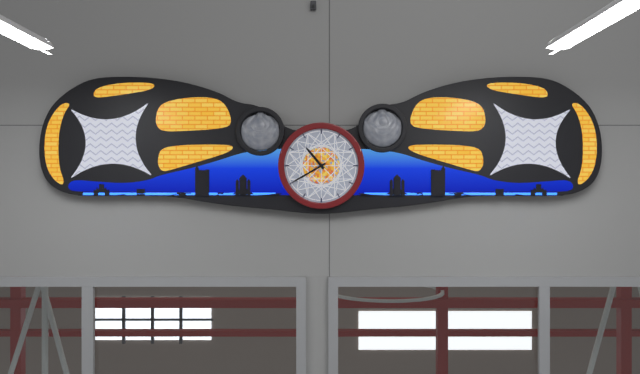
10:40
